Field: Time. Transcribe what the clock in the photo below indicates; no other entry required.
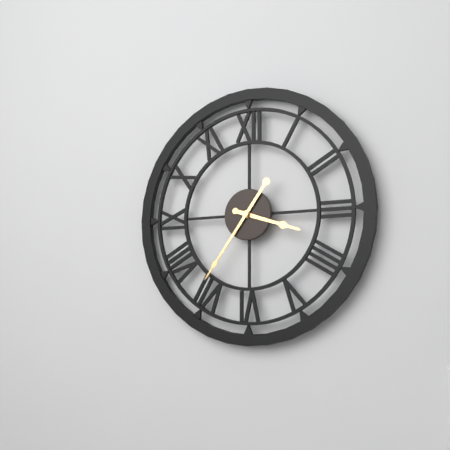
3:36
